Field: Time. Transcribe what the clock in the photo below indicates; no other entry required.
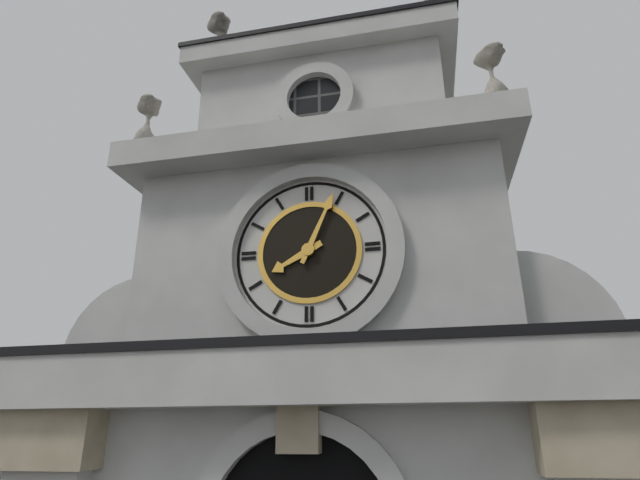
8:04
